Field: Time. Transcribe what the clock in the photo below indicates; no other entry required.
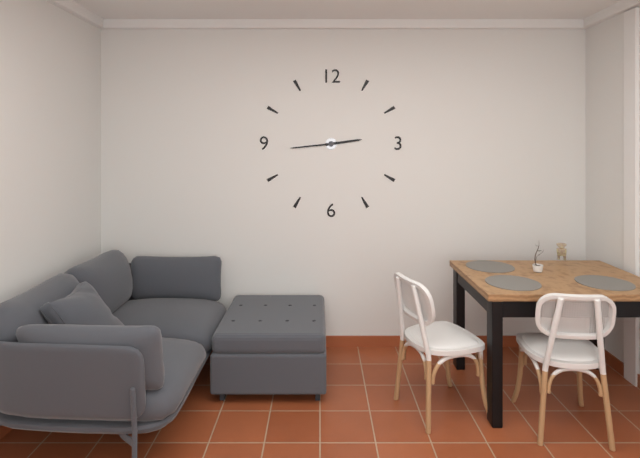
2:44
